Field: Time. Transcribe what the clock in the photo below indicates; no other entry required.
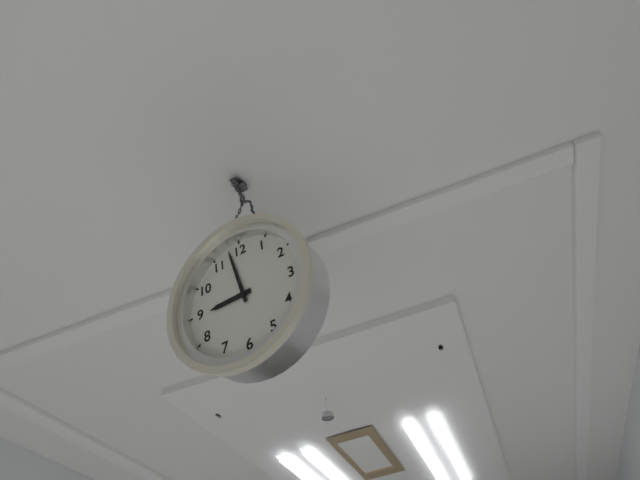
8:58
